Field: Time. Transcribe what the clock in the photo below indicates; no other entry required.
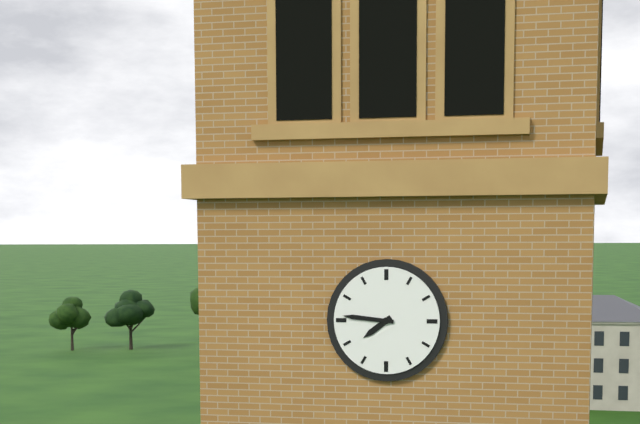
7:46
